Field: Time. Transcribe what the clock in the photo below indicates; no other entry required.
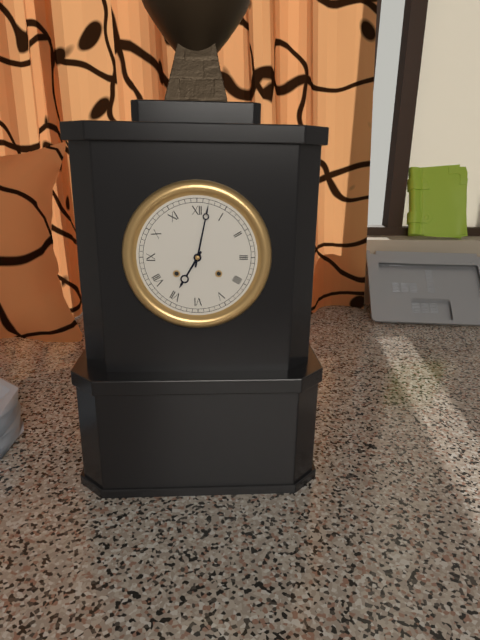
7:02
